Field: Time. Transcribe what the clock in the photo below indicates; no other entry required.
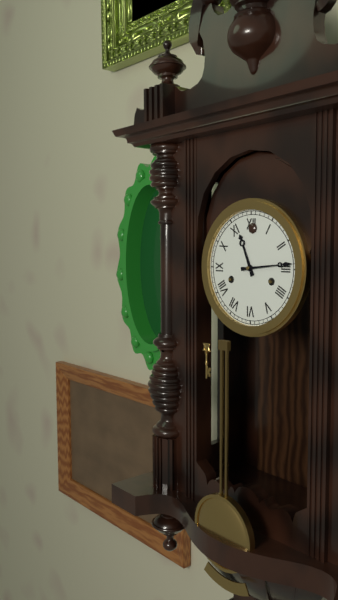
11:14
